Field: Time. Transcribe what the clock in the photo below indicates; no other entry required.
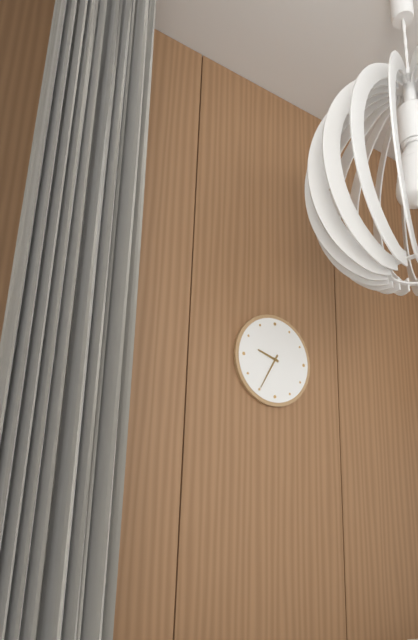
9:35
